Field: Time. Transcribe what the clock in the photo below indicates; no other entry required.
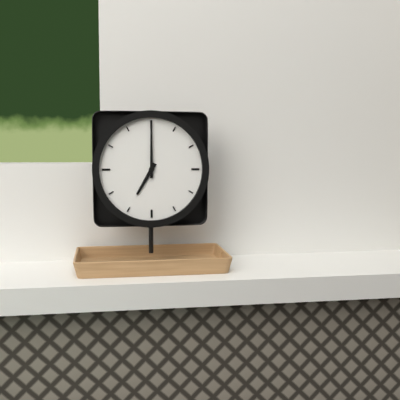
7:00
